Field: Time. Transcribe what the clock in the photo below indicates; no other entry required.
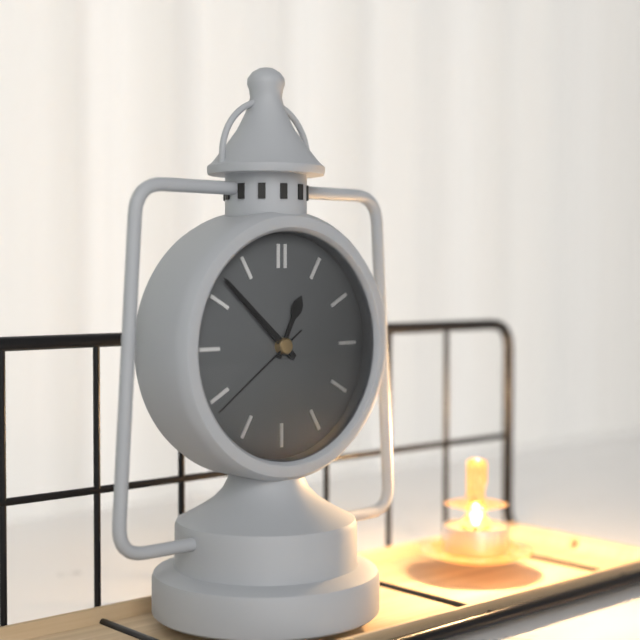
12:52:39
